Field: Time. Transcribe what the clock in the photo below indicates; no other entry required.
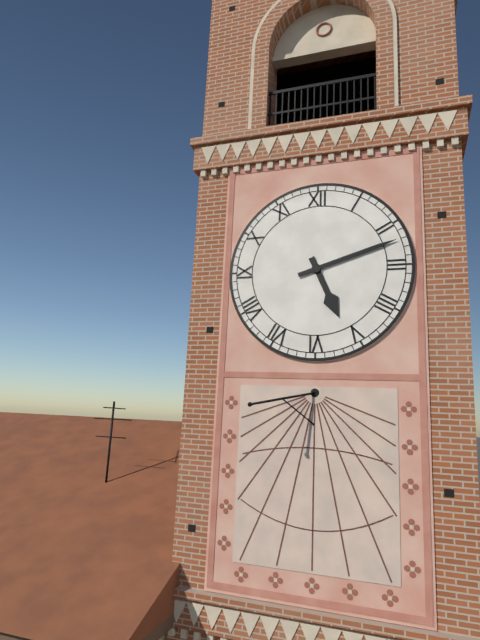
5:12
